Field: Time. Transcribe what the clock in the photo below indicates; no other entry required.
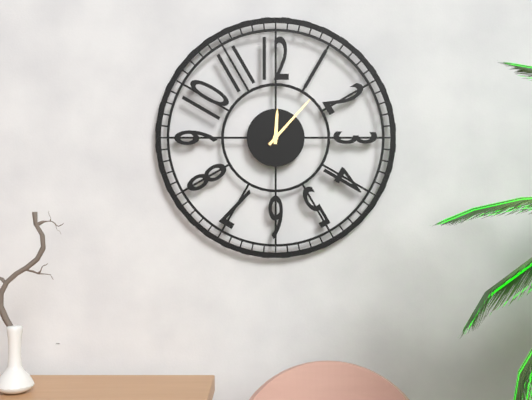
12:07
